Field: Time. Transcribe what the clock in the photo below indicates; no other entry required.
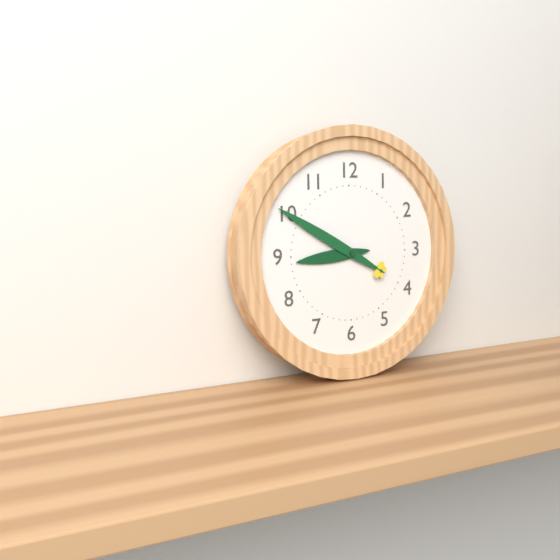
8:50
